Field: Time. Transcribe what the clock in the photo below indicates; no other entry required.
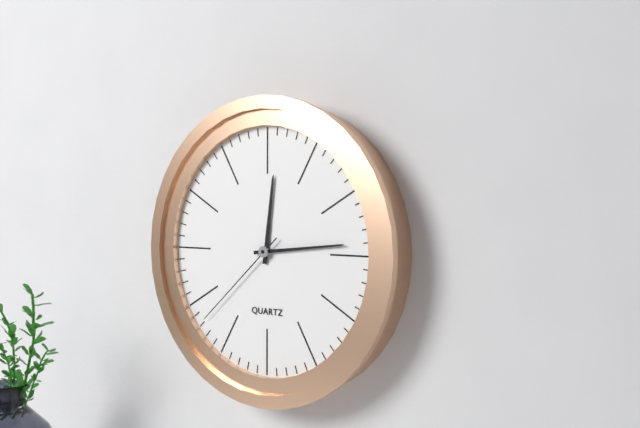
12:14:38
